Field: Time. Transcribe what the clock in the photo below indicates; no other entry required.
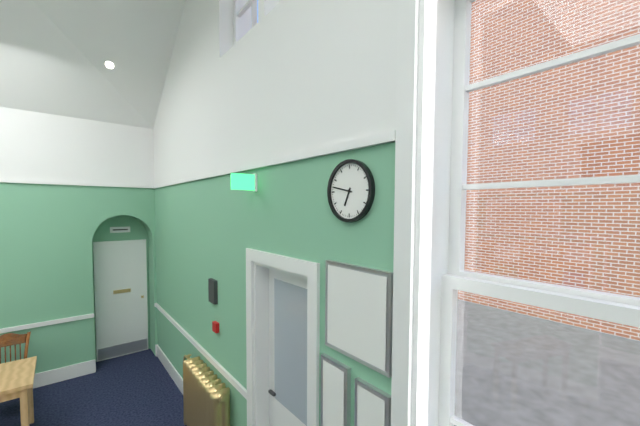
6:47
